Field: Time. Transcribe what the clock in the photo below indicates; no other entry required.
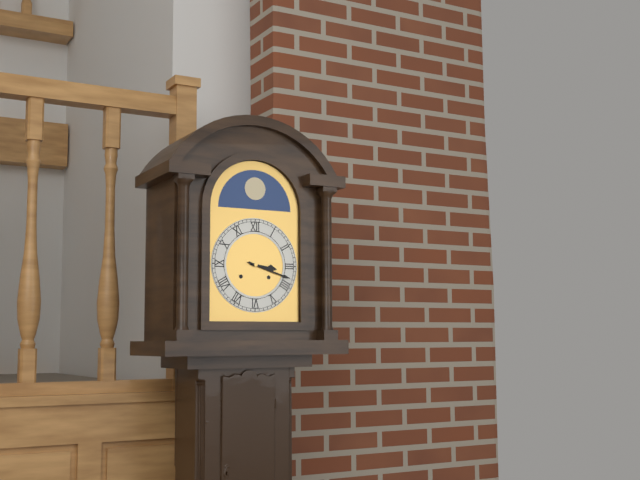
3:18
